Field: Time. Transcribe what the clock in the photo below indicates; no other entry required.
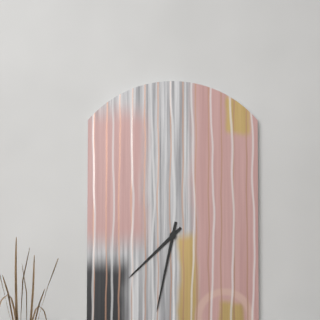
7:32
